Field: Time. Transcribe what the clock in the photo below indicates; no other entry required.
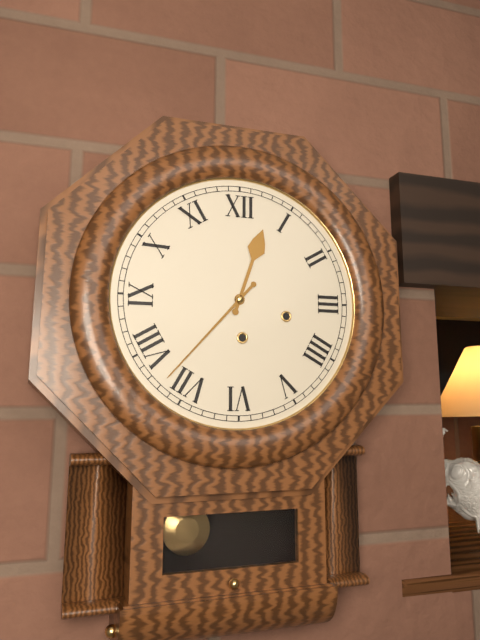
12:37
